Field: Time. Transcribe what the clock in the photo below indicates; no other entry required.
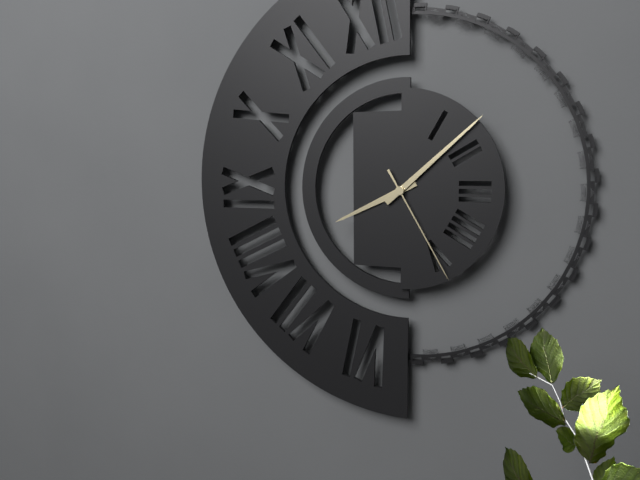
8:08:25
